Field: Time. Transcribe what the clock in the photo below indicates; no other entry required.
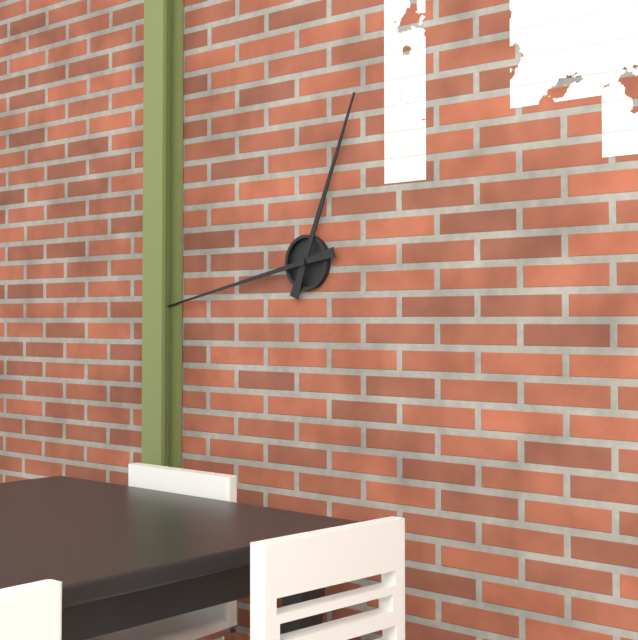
12:43
